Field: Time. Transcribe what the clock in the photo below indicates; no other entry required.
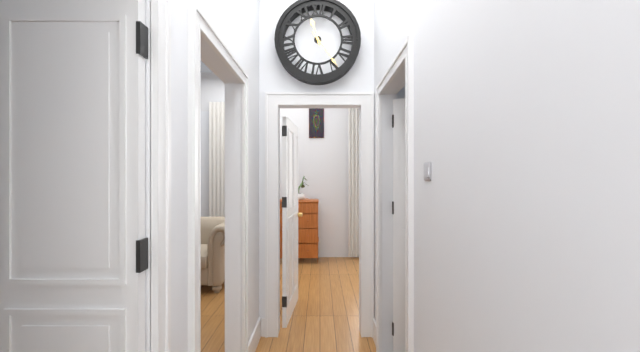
11:24
